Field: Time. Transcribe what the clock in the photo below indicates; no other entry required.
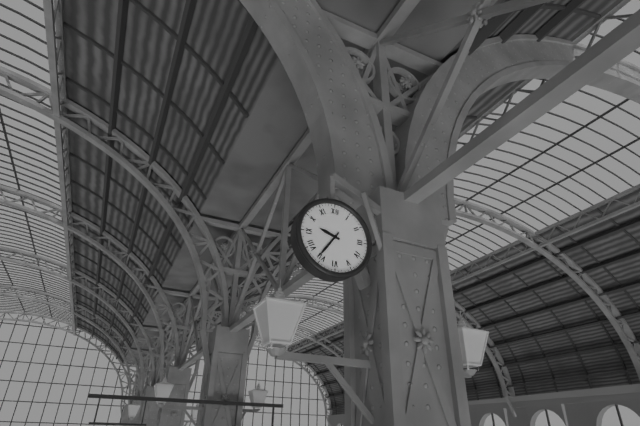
9:36
